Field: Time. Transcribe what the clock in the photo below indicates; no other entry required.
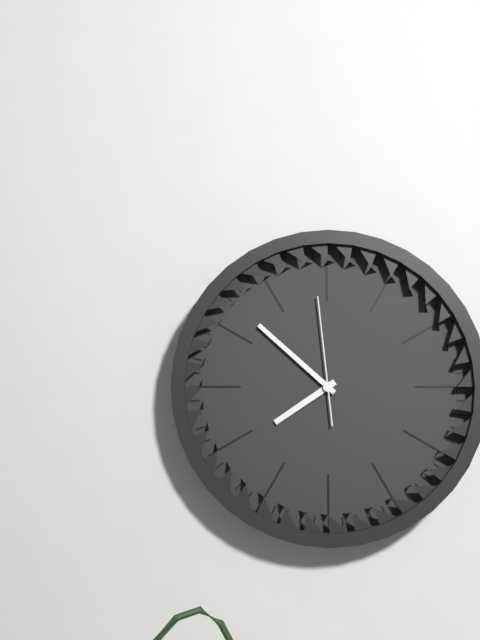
7:52:59
